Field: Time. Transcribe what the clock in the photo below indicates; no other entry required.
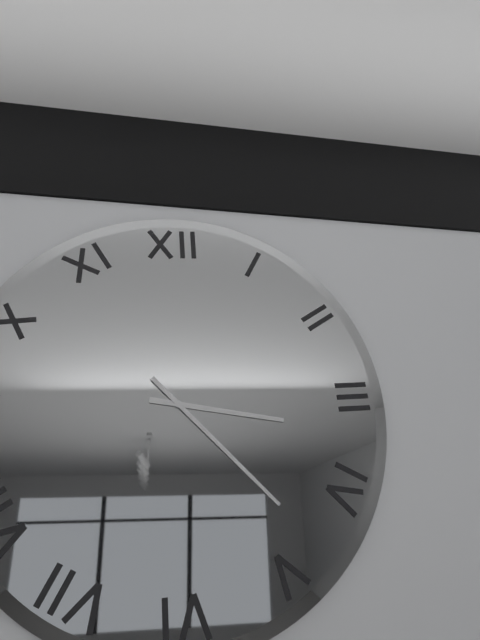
3:23
